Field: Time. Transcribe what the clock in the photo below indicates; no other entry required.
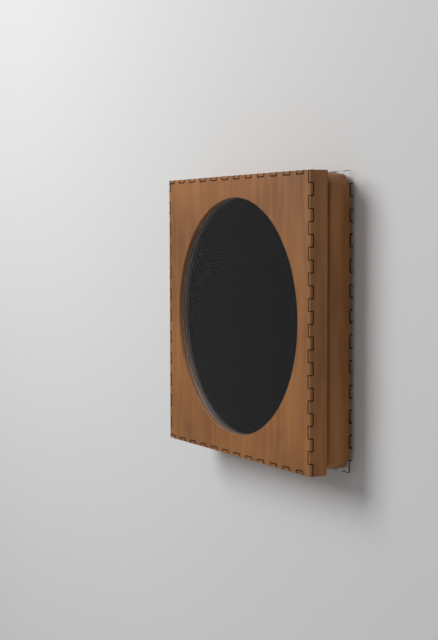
12:04
